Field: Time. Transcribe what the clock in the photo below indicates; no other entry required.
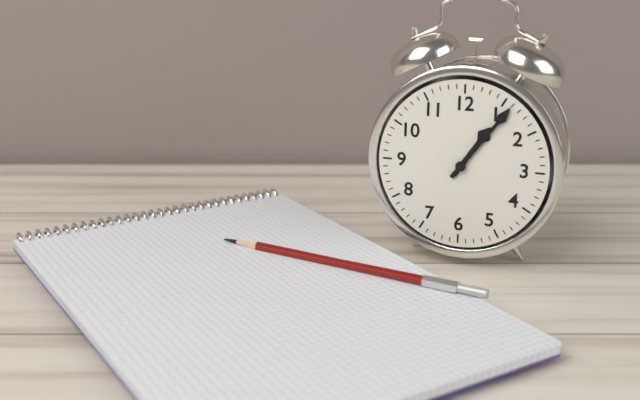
1:06
